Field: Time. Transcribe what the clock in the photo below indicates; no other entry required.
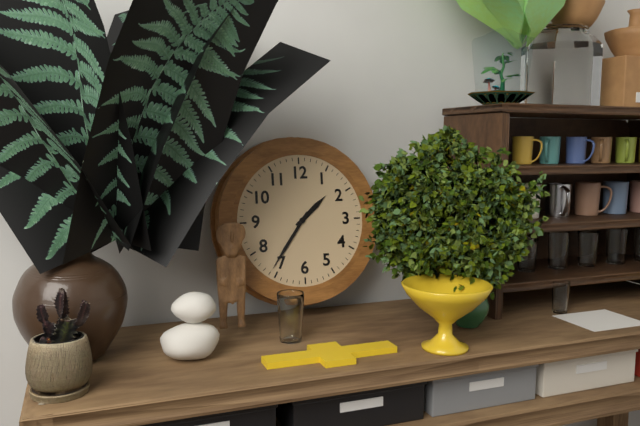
1:36
